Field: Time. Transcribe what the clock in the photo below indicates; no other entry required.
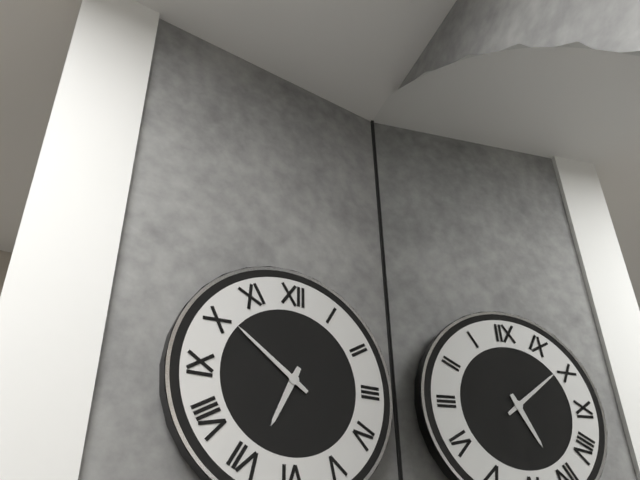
6:51
